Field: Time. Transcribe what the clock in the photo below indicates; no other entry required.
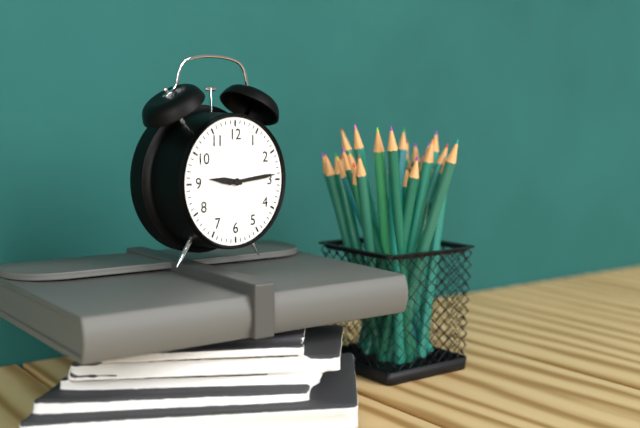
9:14
